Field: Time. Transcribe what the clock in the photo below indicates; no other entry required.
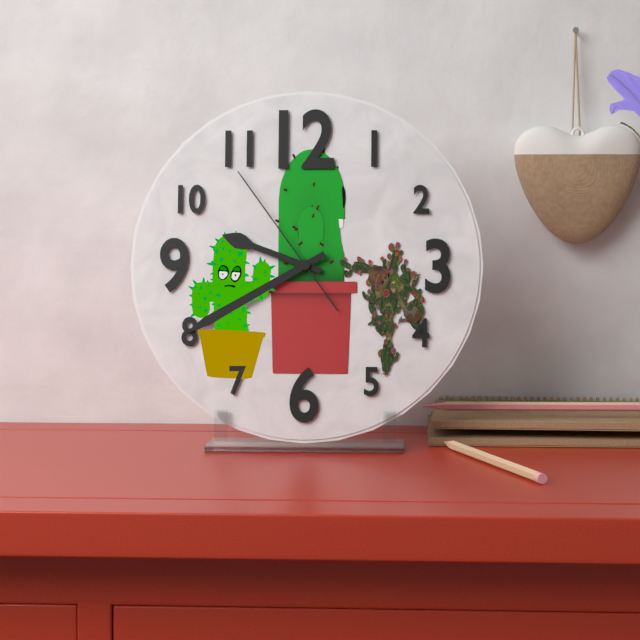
9:40:54
